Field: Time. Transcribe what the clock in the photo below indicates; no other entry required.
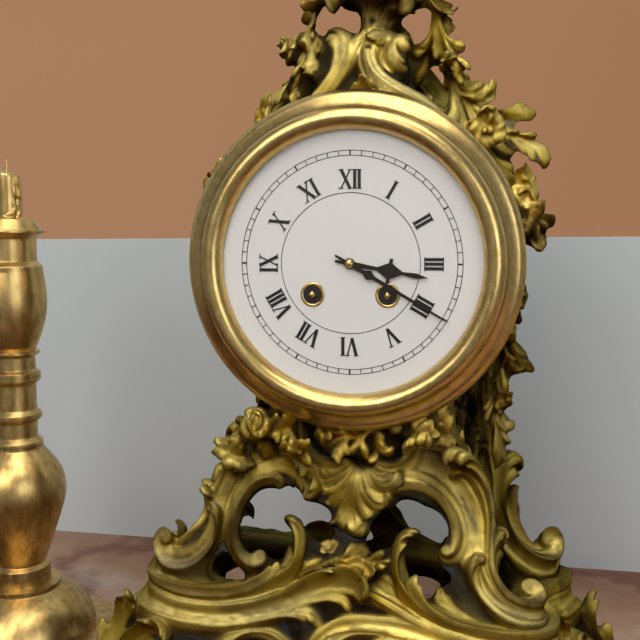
3:20
